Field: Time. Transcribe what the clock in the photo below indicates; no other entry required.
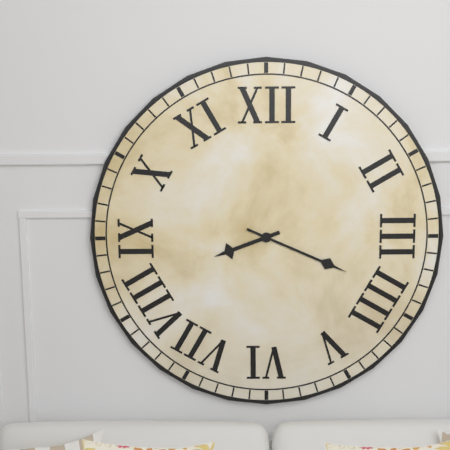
8:19
